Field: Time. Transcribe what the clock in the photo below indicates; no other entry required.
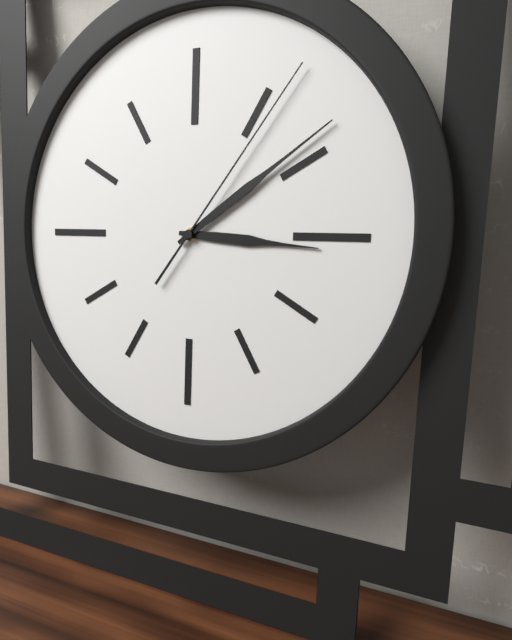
3:09:06
